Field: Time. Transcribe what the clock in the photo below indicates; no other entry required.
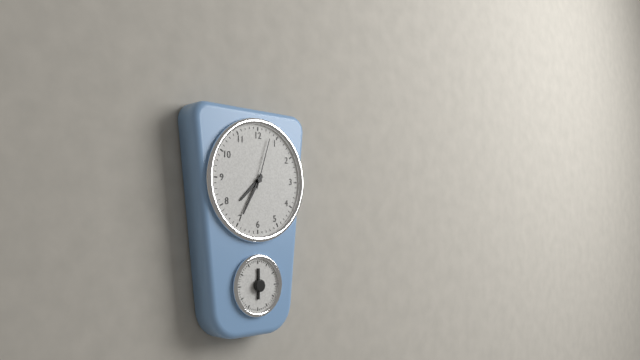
7:35:03
